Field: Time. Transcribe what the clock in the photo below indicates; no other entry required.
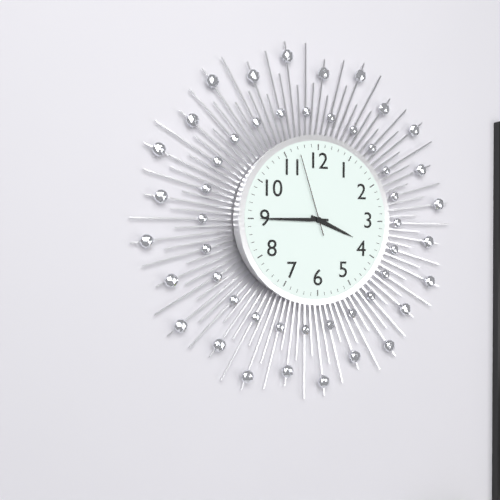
3:45:57
